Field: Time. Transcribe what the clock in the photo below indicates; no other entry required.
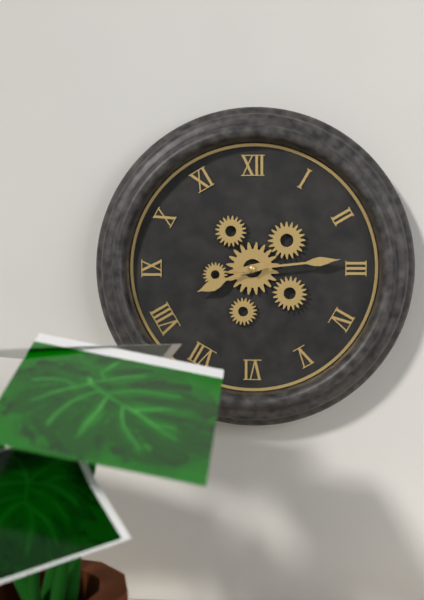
8:14
